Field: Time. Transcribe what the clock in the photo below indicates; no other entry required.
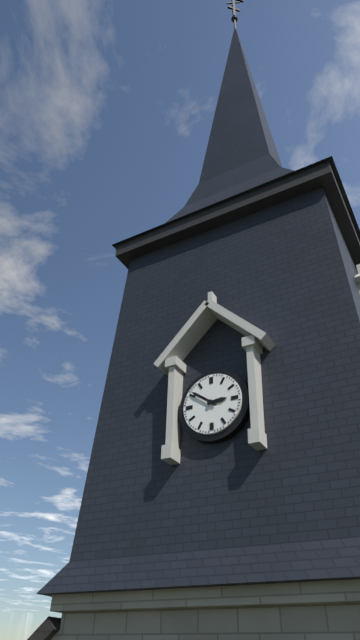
2:51
